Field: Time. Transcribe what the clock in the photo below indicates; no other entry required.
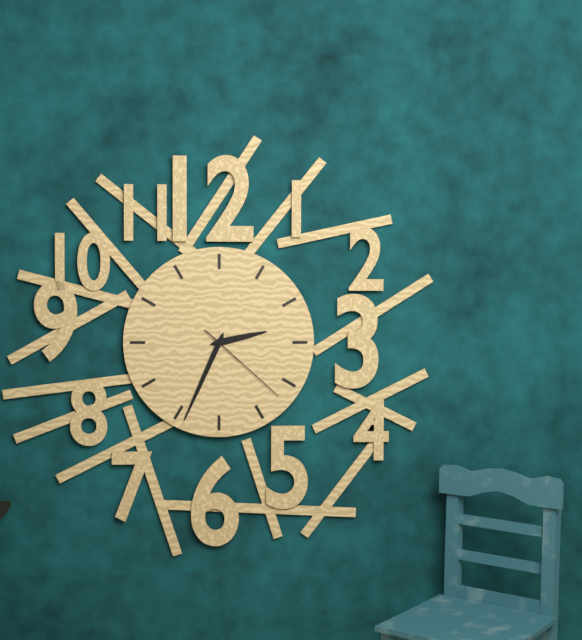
2:34:22
